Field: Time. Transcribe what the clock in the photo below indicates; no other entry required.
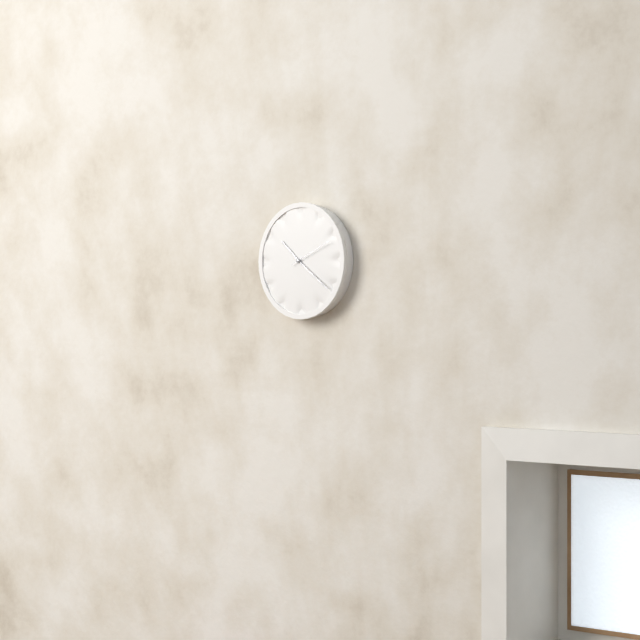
10:21
